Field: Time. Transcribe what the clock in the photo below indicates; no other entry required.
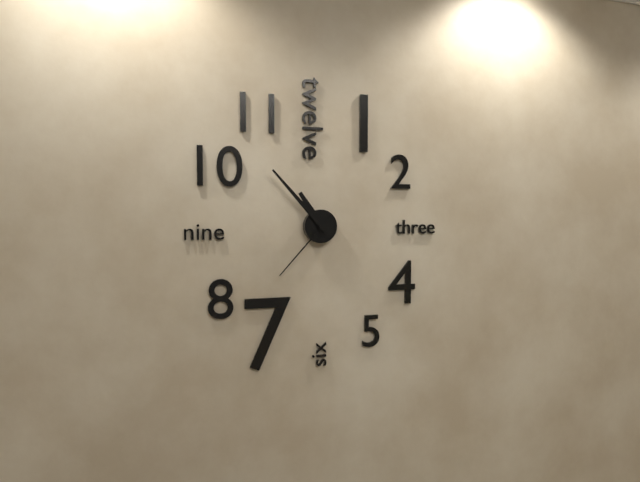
10:53:37
